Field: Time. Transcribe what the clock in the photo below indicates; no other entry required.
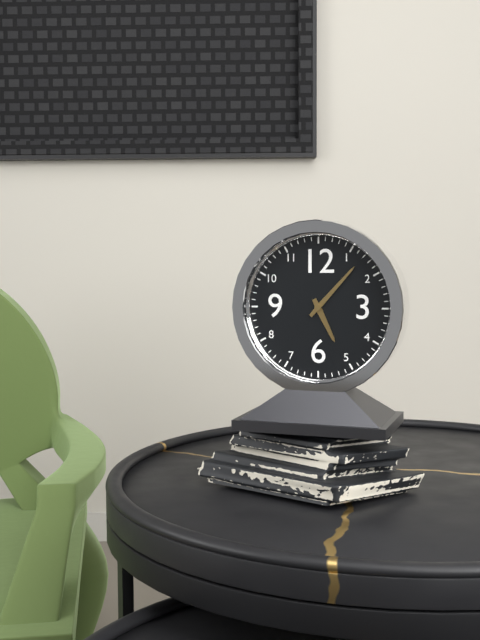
5:07
